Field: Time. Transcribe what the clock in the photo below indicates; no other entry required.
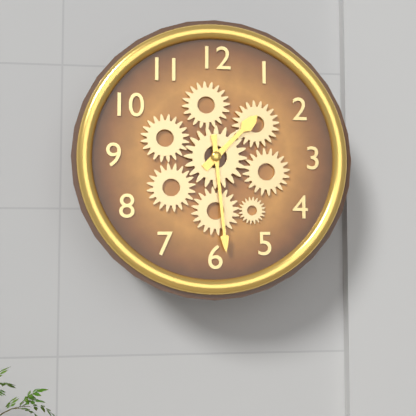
1:29
